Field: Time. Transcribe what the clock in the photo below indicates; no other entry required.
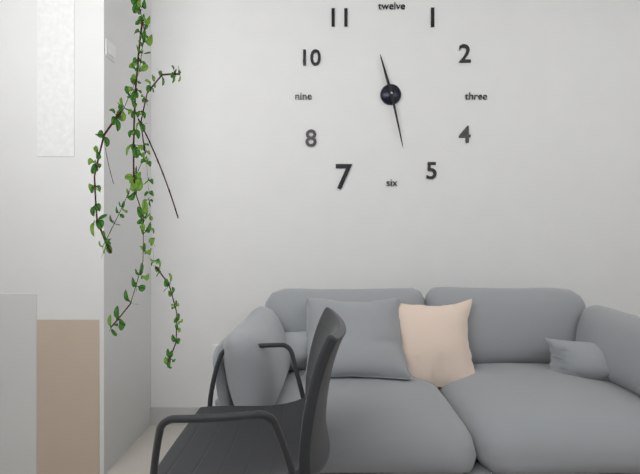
11:28
